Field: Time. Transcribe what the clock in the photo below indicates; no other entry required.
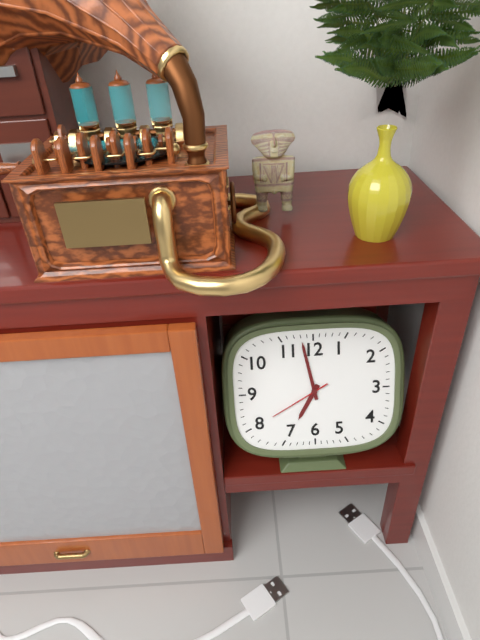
6:58:40
